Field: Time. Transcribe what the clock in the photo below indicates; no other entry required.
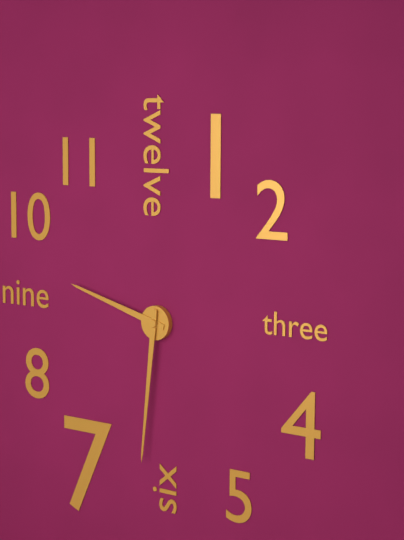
9:31
